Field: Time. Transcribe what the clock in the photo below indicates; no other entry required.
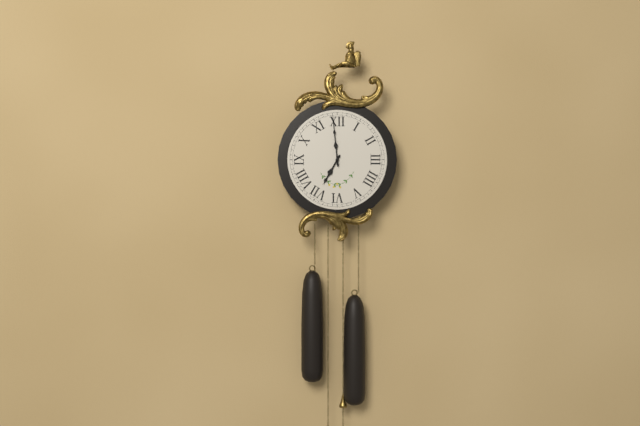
6:59
